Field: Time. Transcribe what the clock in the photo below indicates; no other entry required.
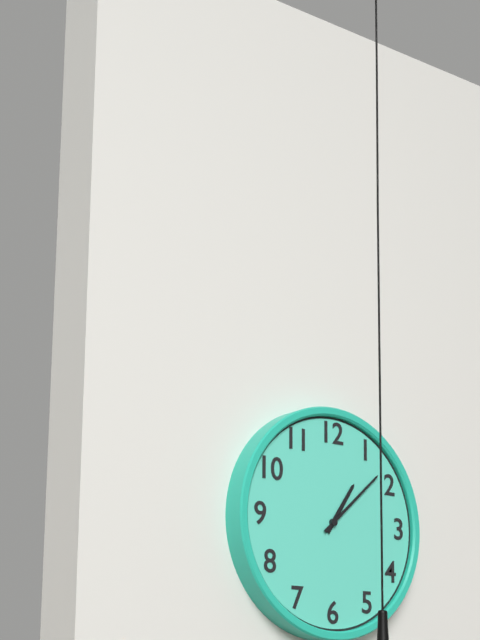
1:08
